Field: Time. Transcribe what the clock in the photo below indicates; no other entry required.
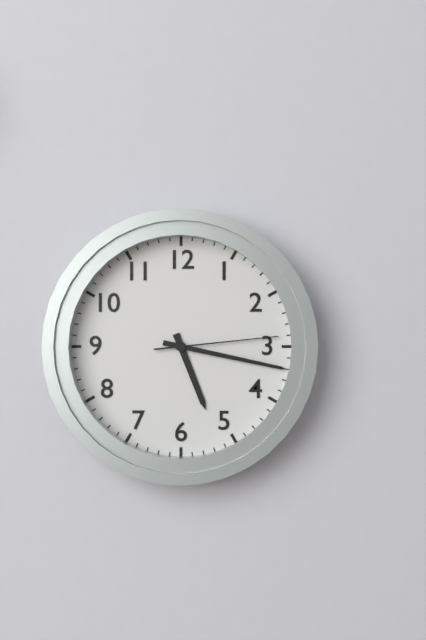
5:17:14
